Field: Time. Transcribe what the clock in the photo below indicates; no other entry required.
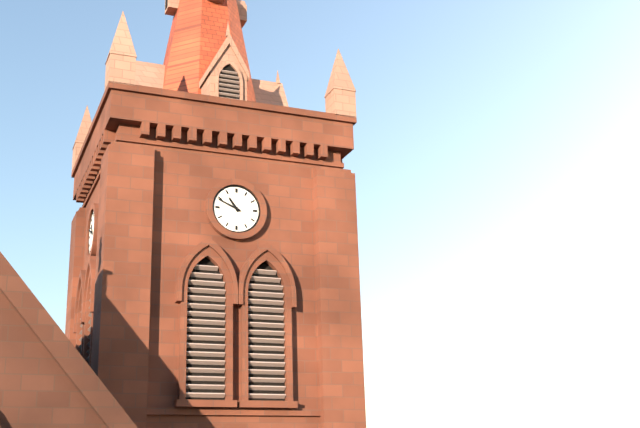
10:49
